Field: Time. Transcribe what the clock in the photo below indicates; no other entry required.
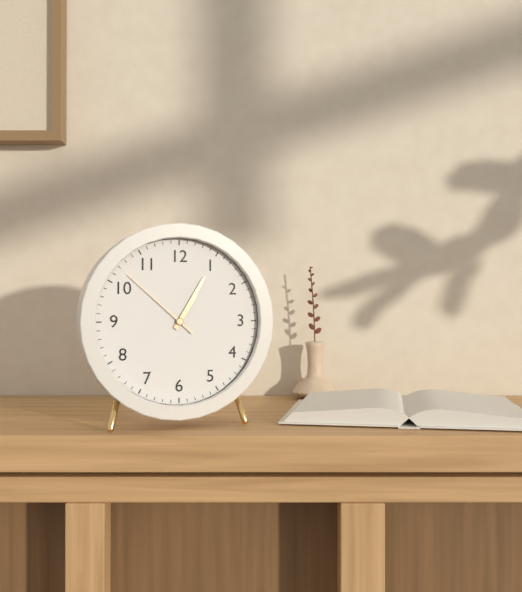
1:05:52
